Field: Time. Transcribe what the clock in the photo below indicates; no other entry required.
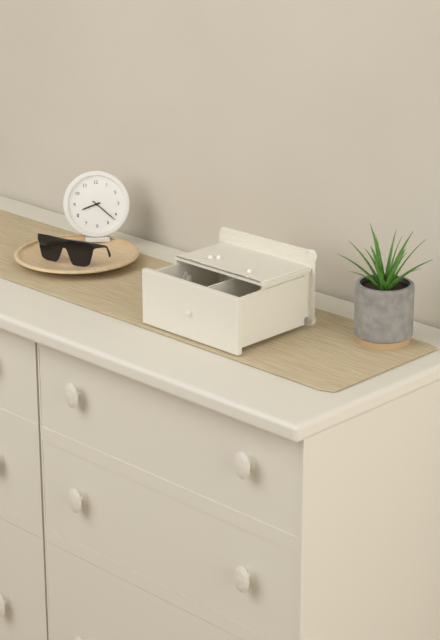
8:22
